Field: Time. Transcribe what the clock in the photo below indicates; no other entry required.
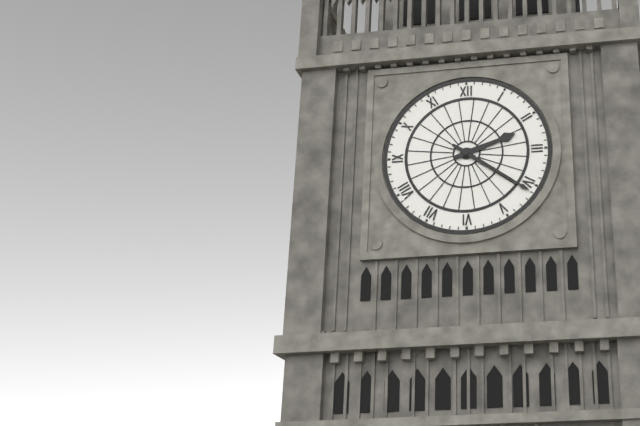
2:21
